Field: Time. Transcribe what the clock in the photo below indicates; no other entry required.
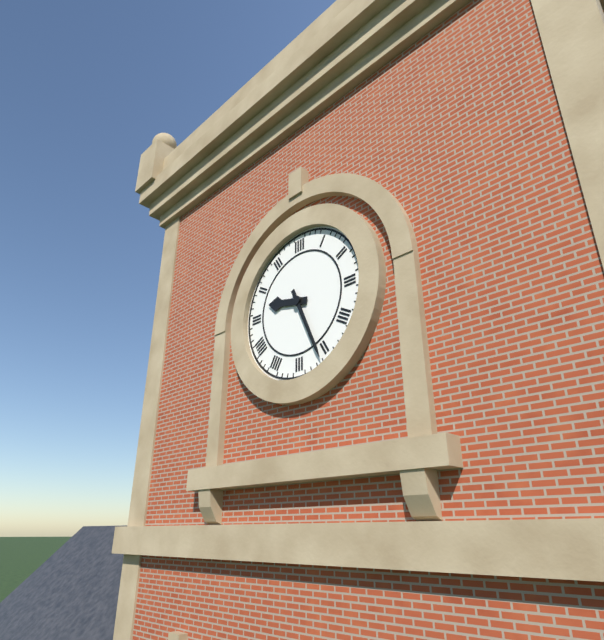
9:26
